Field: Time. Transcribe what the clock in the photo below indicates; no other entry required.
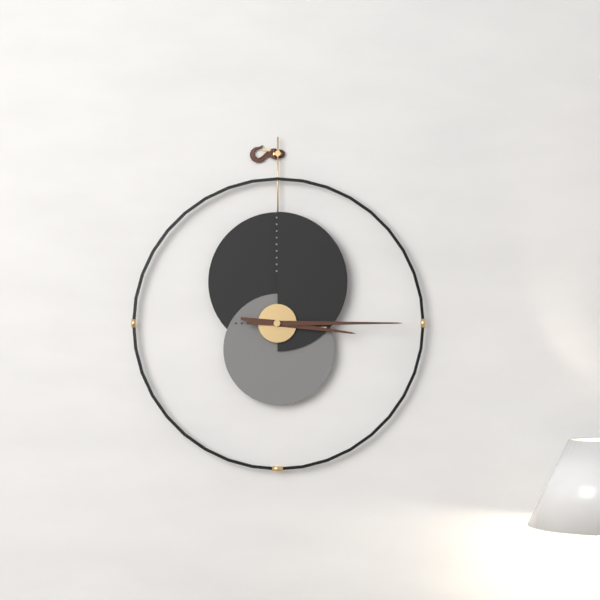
3:15
